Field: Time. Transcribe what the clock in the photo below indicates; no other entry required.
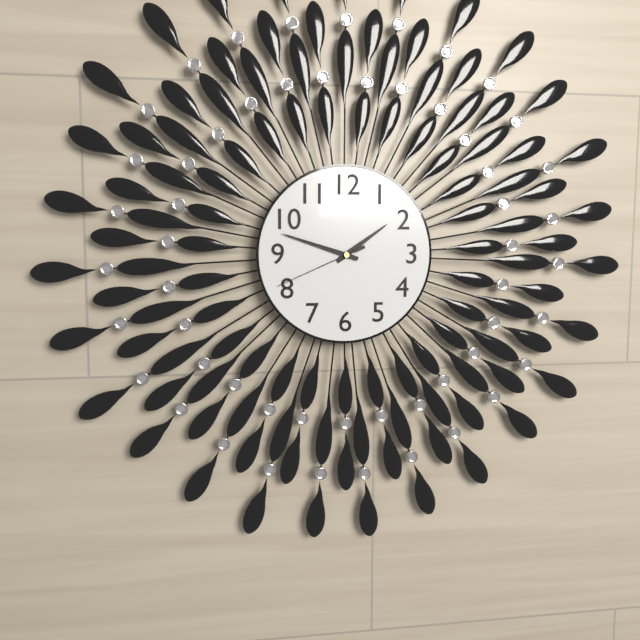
1:48:41
